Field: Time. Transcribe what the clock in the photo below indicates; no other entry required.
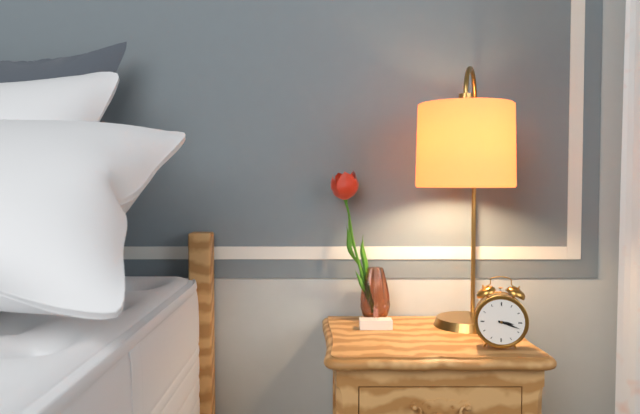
3:18
